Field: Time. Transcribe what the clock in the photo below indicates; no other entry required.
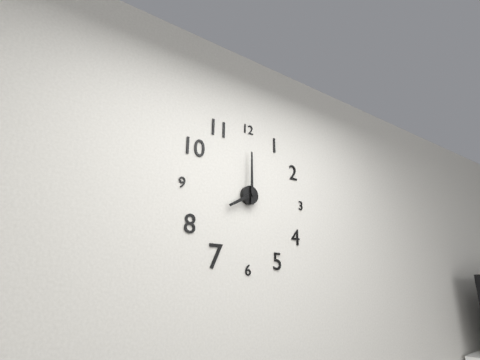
8:00
